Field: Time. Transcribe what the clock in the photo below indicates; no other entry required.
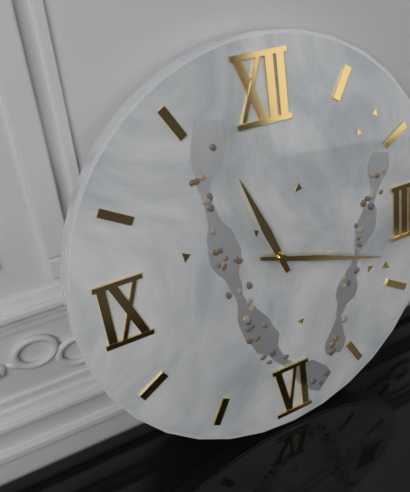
11:18
